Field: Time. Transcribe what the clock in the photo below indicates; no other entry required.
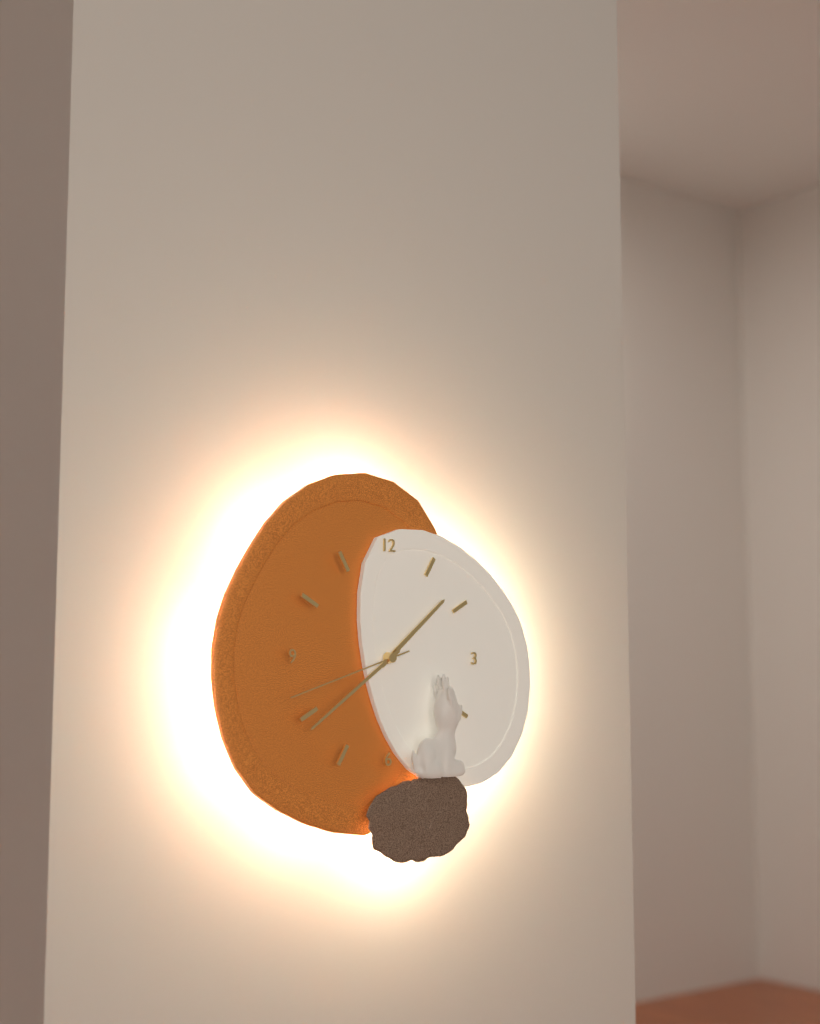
1:39:42
